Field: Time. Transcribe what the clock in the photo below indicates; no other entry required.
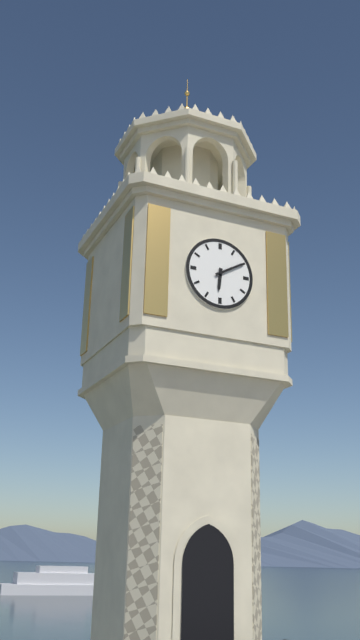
6:10
